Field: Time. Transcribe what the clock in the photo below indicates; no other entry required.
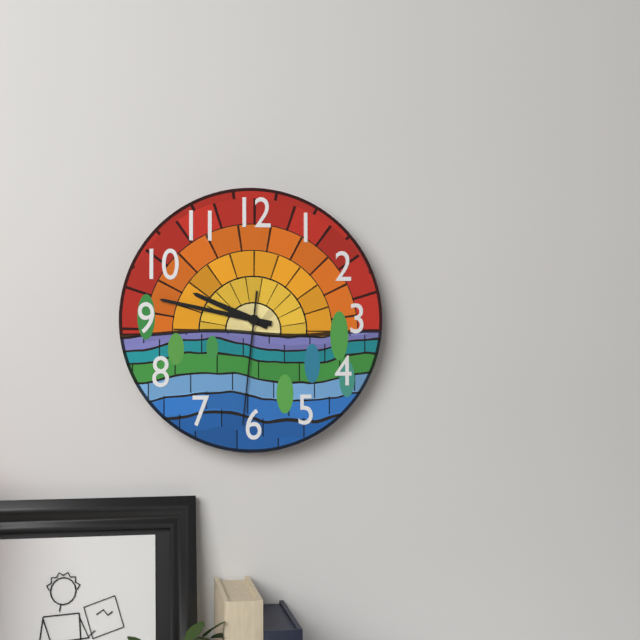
9:47:31
